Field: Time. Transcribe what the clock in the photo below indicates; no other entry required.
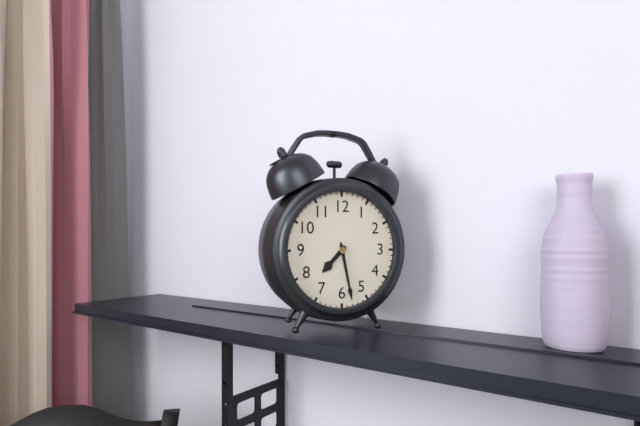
7:28
